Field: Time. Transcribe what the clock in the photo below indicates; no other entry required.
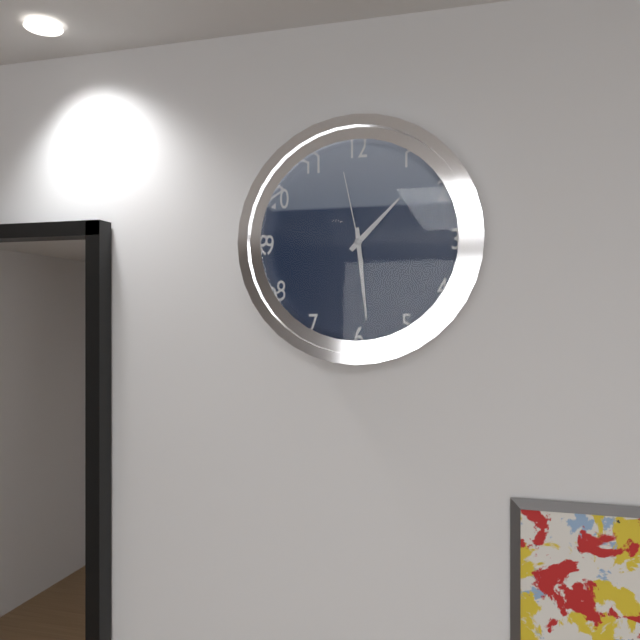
1:29:58
